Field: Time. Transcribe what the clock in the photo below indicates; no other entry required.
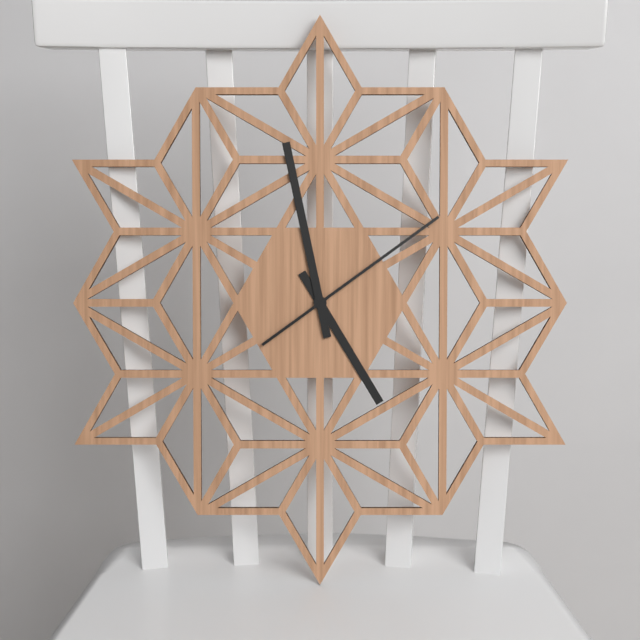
4:58:09
